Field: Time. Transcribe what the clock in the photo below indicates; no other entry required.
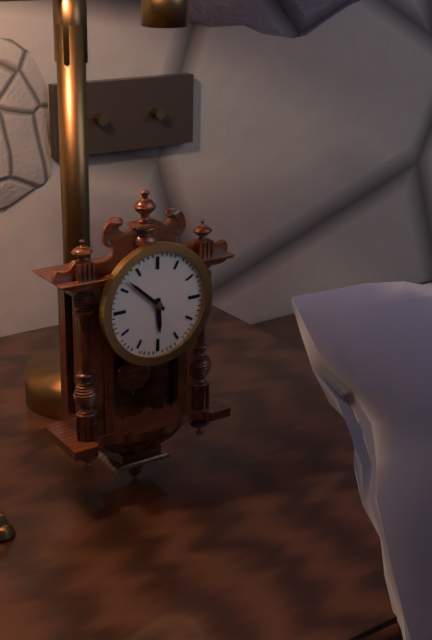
5:52
